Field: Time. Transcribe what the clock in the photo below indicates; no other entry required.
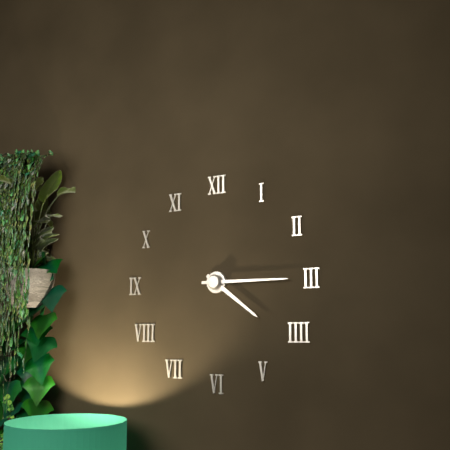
4:15
